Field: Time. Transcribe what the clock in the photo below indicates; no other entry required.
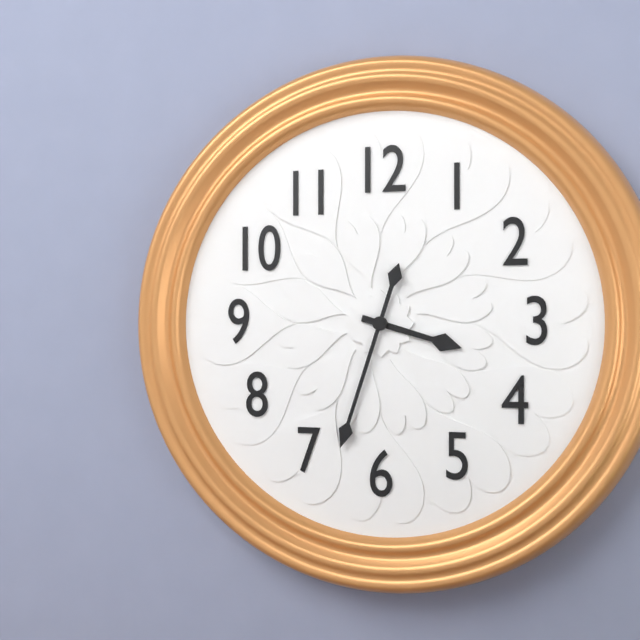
3:33
